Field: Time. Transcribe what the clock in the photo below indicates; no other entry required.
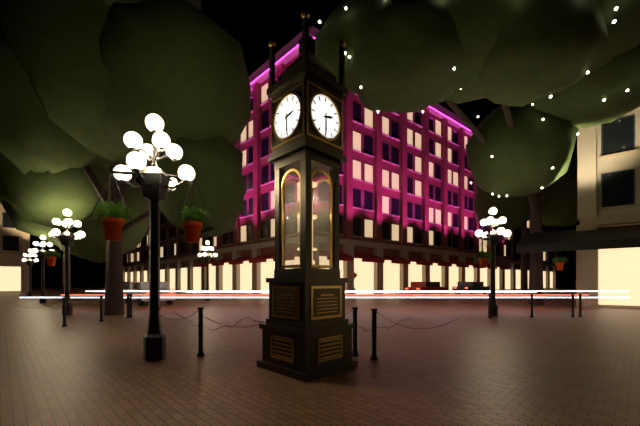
2:30
